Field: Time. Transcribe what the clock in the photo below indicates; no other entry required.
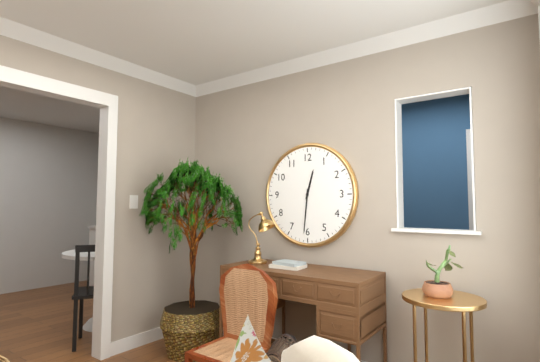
12:31
